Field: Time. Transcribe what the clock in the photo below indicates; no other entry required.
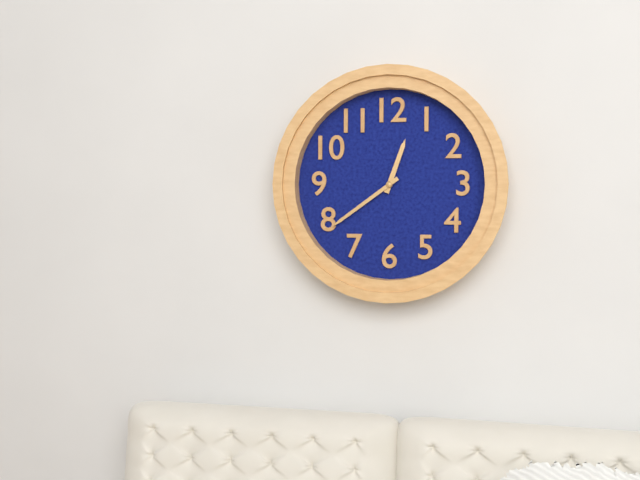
12:39
